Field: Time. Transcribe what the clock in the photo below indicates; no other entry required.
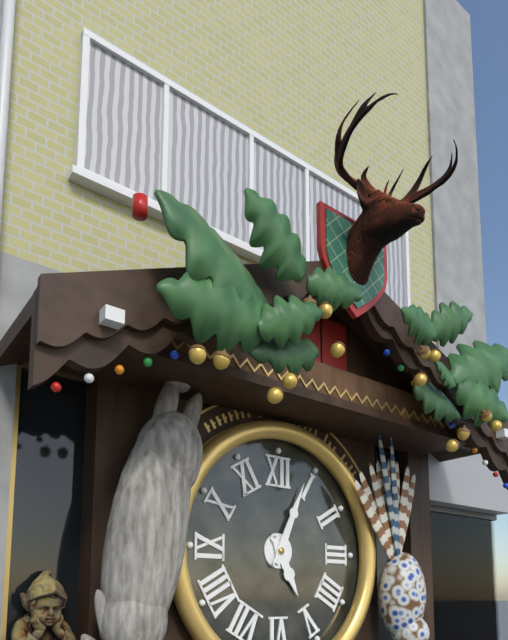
5:04
